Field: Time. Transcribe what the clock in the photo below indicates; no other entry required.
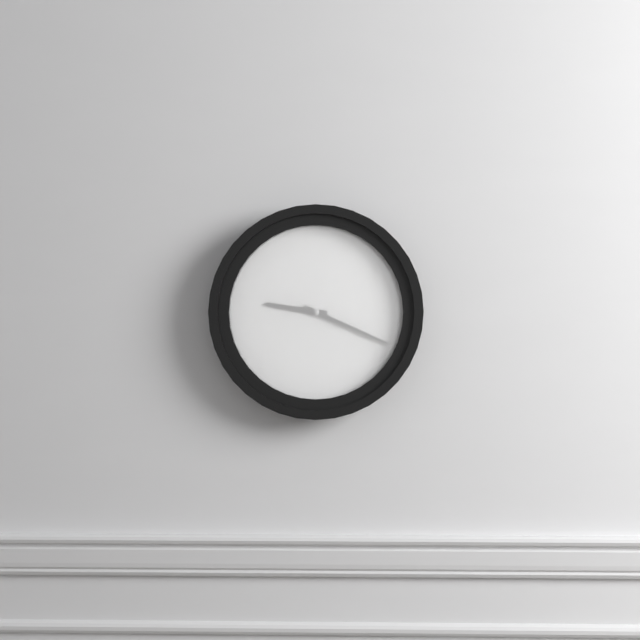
9:19
